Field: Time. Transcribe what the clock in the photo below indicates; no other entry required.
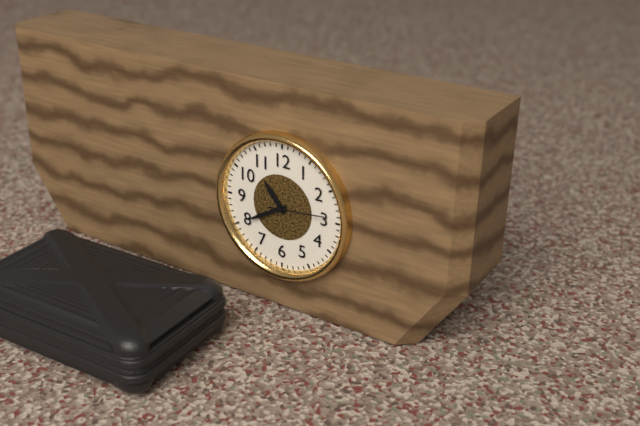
10:40:14
